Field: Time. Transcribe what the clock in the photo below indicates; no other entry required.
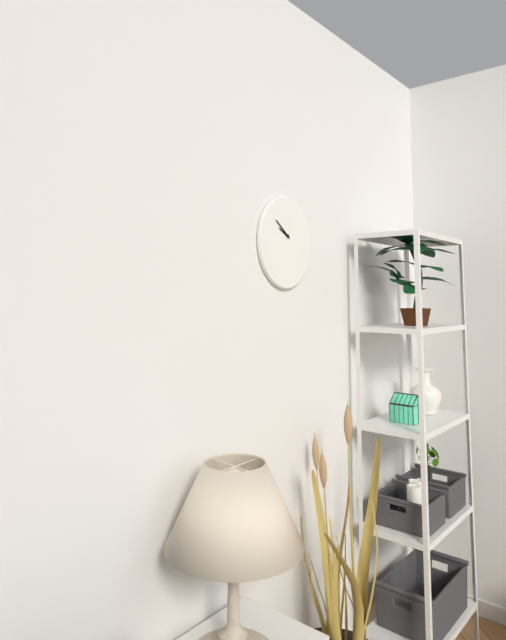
9:51
